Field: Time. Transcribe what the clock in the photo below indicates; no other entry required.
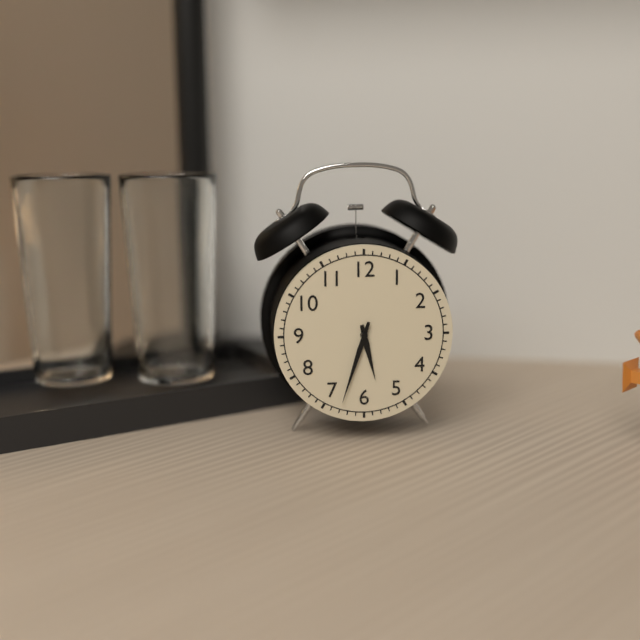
5:33
